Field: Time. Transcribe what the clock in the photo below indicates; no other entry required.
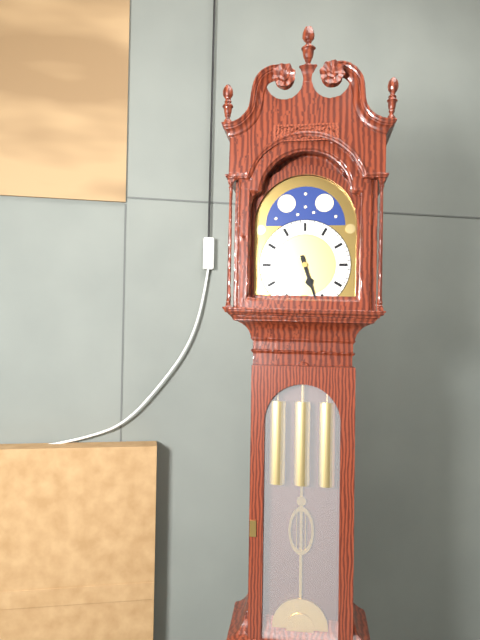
5:27
